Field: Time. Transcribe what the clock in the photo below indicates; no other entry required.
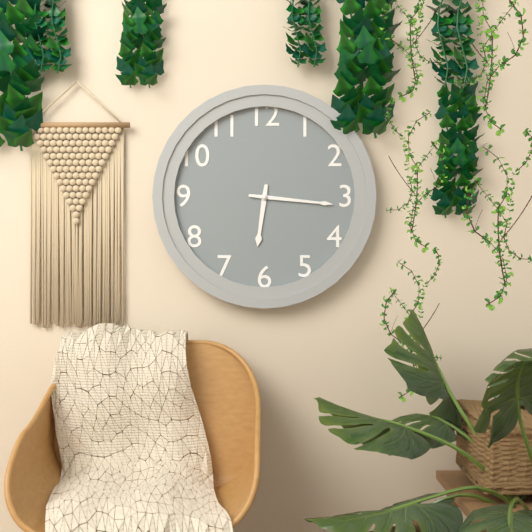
6:16
